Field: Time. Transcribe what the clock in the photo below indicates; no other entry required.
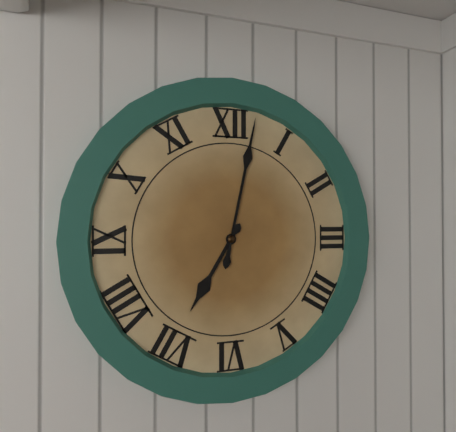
7:02
